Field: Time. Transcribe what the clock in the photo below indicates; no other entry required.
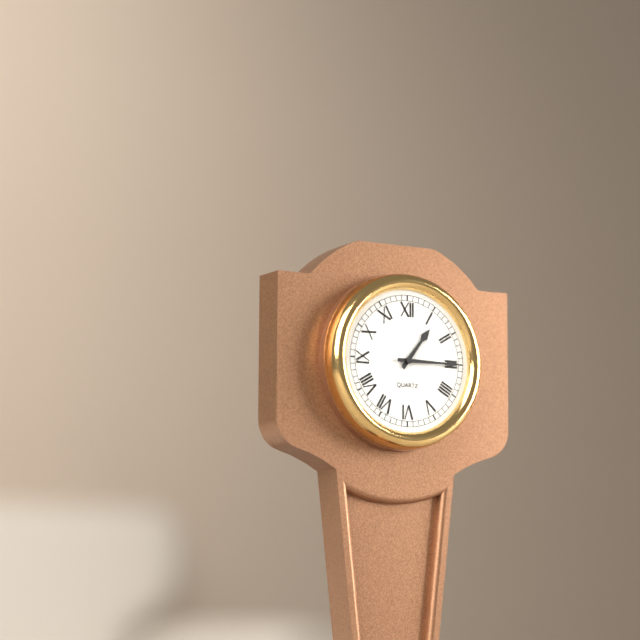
1:15
